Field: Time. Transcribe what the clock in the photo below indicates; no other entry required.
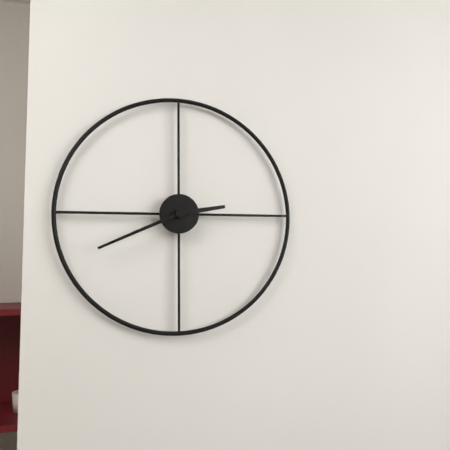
2:41
